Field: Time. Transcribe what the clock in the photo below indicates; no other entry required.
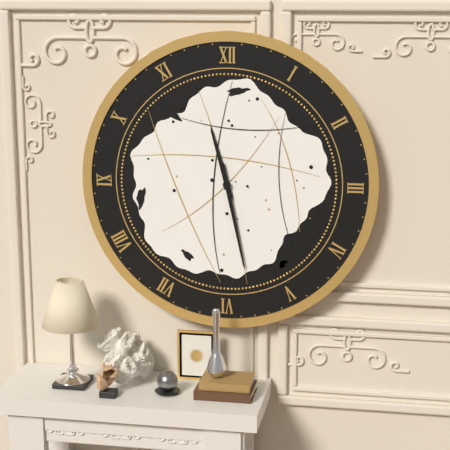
11:28
